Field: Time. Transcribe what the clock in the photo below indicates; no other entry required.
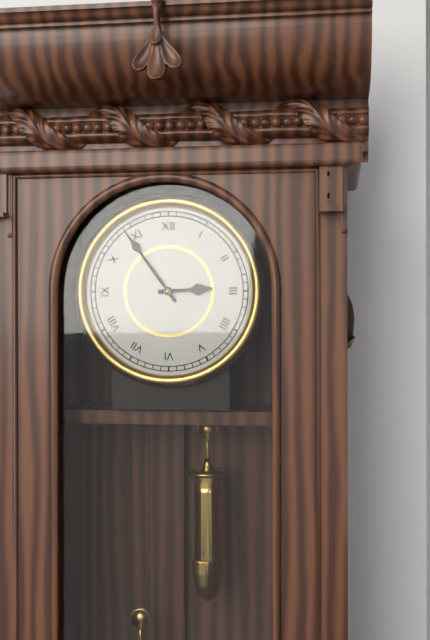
2:54
